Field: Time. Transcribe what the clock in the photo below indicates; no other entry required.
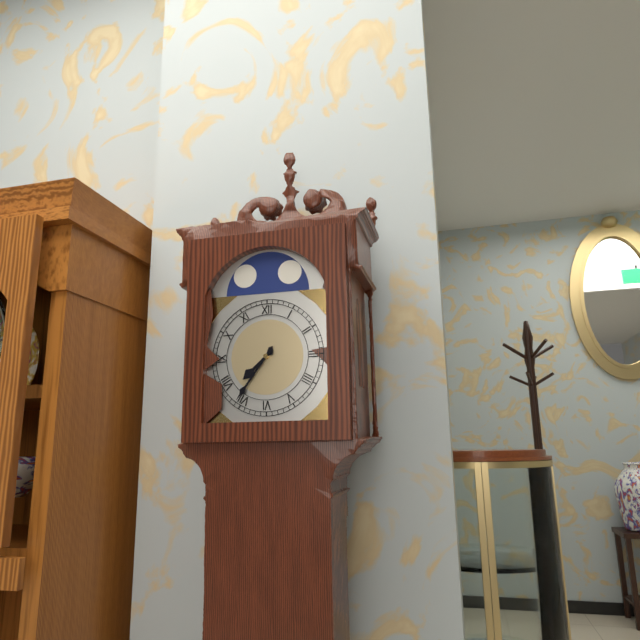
7:36
